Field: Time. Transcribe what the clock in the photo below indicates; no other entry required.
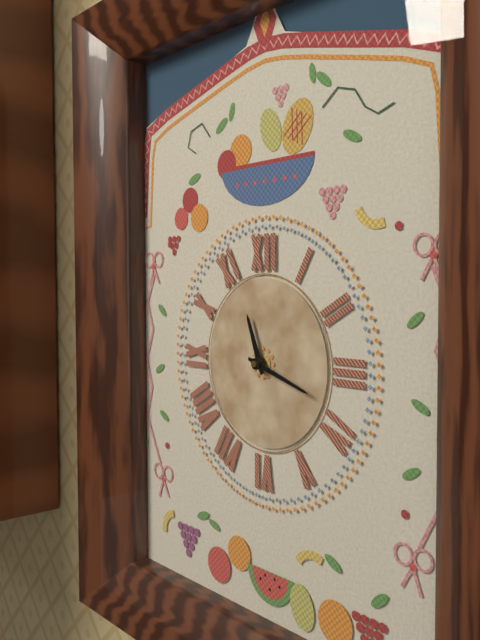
11:18
